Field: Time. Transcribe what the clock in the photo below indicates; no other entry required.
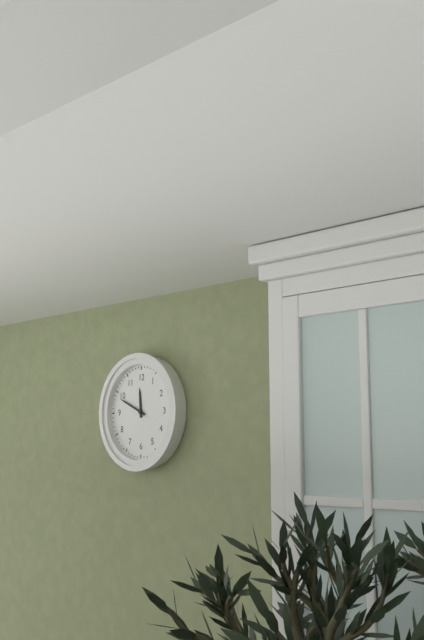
11:49
